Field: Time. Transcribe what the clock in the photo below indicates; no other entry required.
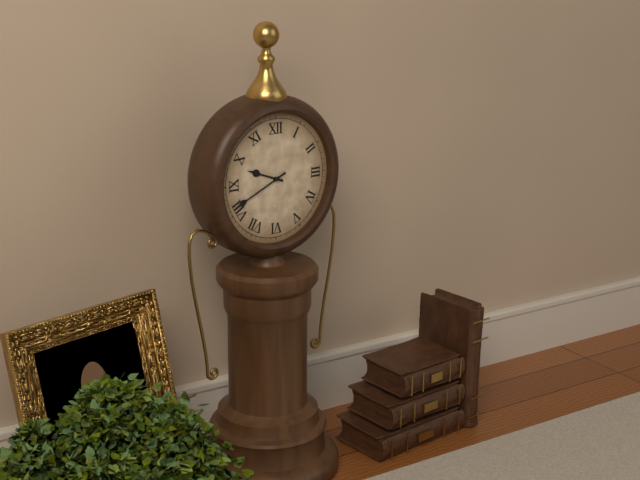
9:41
